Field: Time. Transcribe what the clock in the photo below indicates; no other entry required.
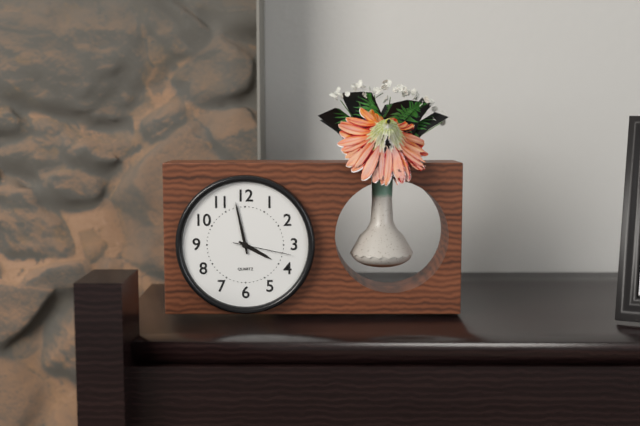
3:58:17
